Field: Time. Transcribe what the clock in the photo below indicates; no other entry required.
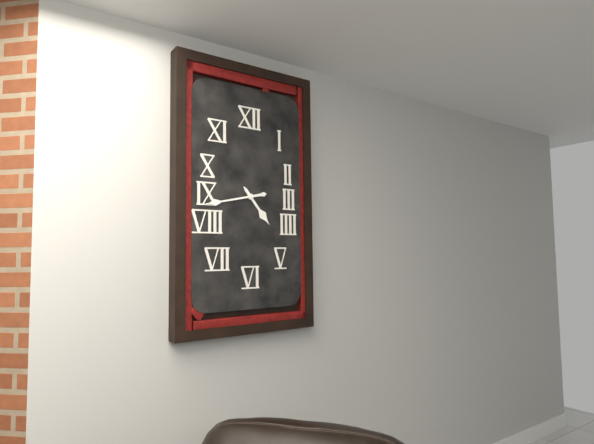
4:43
